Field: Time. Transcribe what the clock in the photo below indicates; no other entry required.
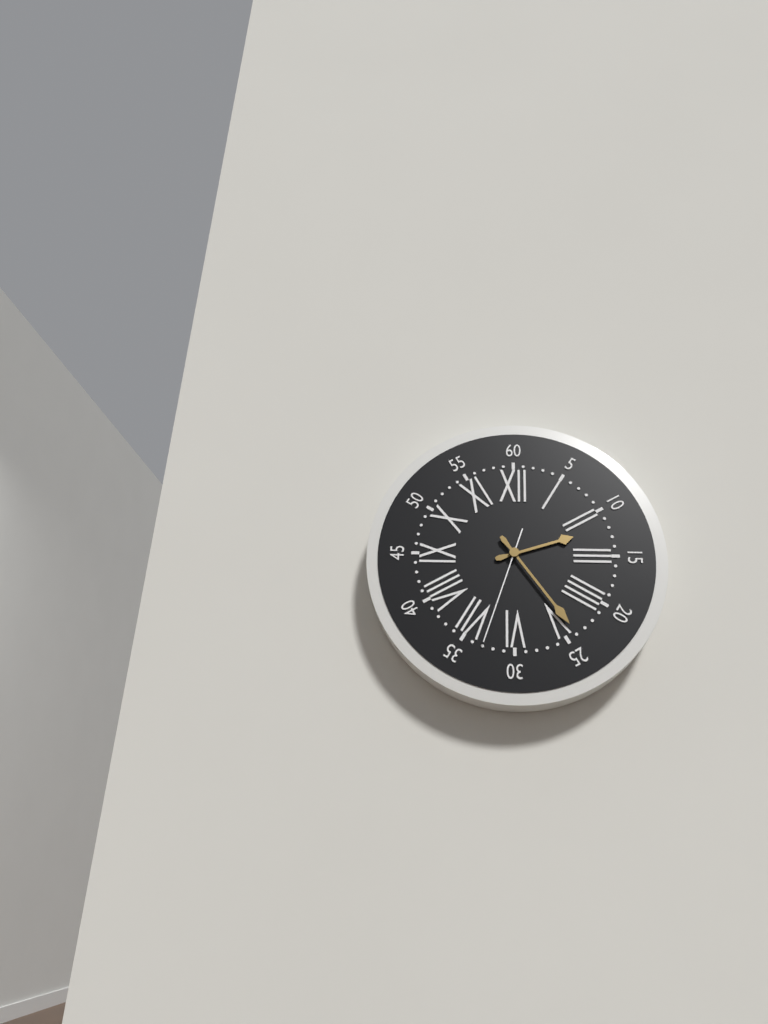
2:24:33
